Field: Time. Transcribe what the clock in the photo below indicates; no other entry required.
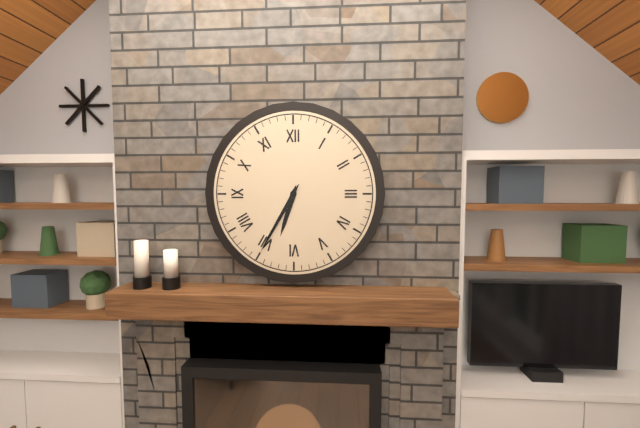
6:35
